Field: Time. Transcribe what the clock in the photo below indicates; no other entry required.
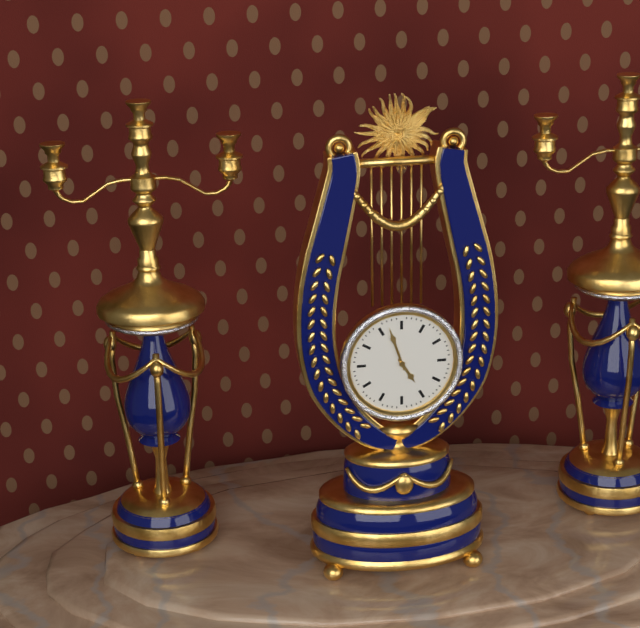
4:57
